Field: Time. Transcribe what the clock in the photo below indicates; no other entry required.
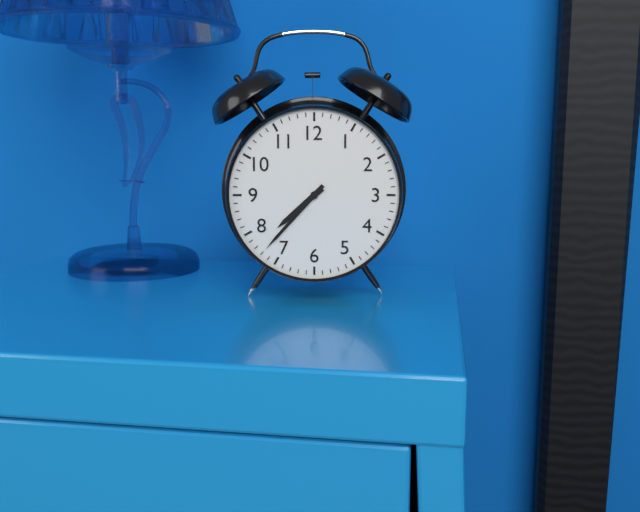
7:37
